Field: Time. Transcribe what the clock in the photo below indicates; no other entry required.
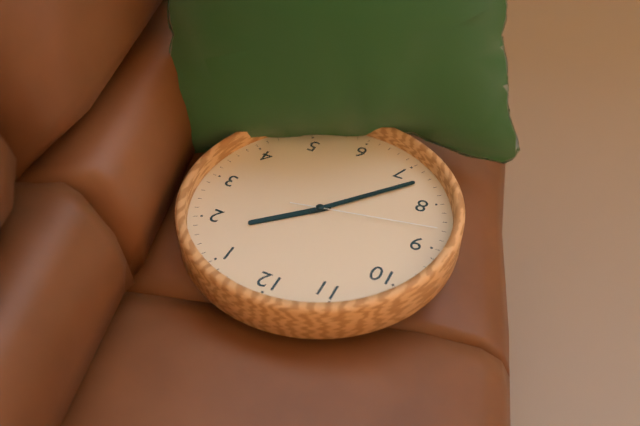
1:37:43
